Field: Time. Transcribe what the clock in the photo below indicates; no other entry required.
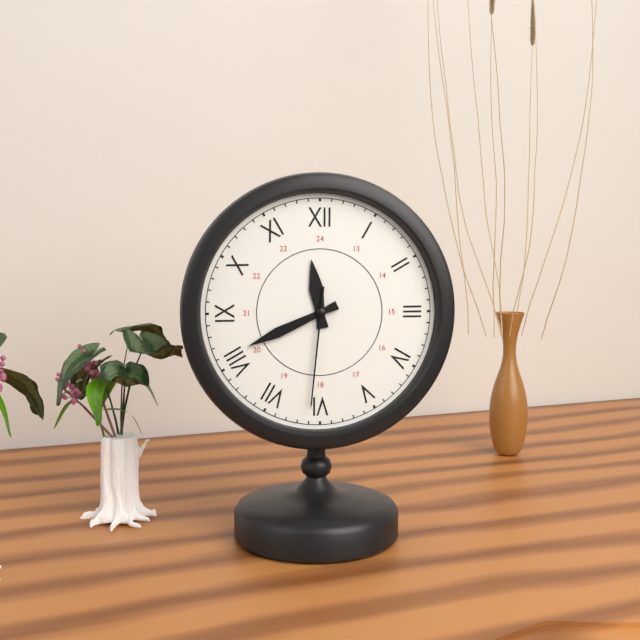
11:41:31
